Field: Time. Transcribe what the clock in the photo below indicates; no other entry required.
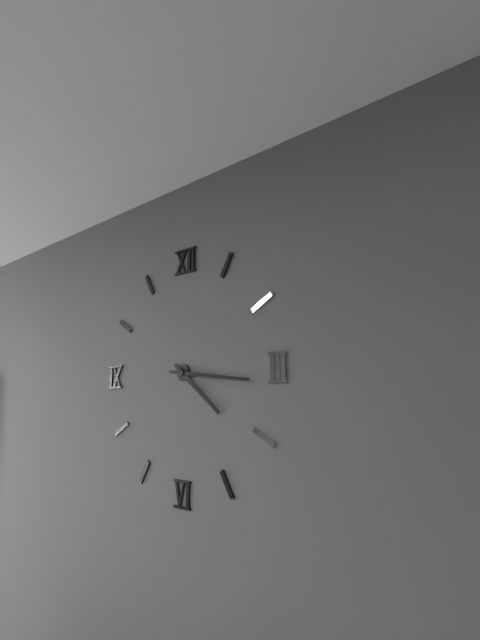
4:16
